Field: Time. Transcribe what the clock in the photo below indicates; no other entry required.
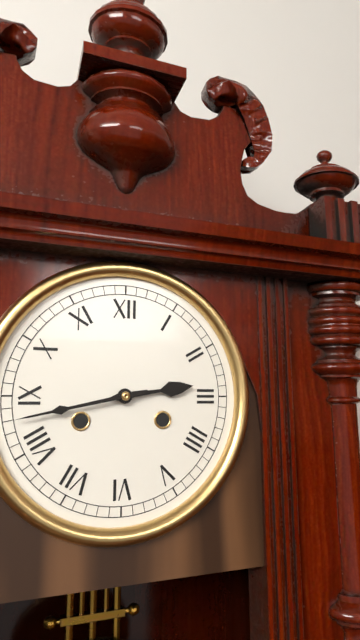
2:43
